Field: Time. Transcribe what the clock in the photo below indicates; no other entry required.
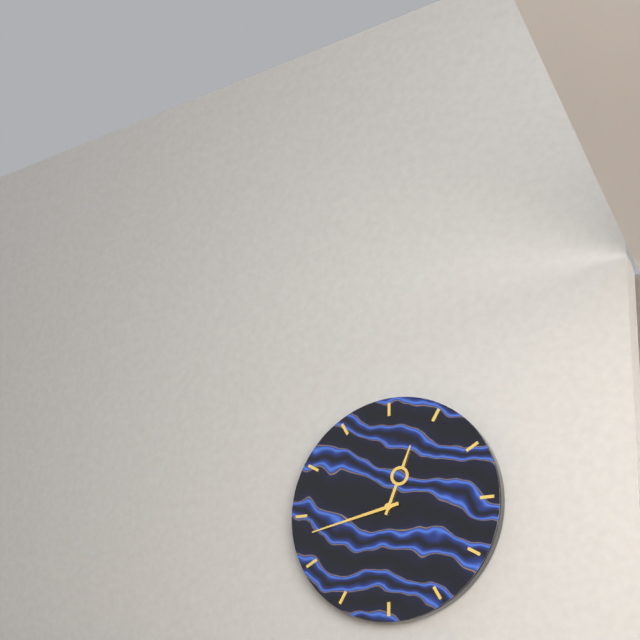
12:43
